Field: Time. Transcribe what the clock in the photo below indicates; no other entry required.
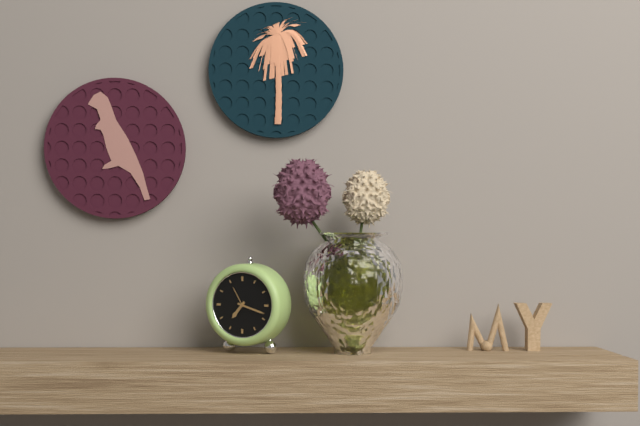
7:18
